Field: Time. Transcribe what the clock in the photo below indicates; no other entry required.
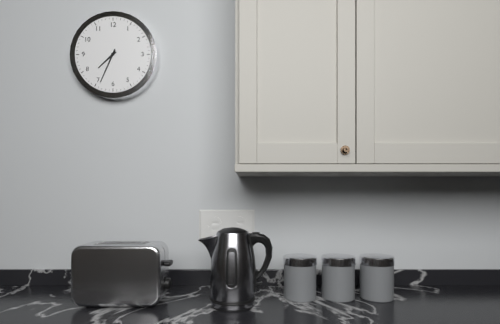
7:34
